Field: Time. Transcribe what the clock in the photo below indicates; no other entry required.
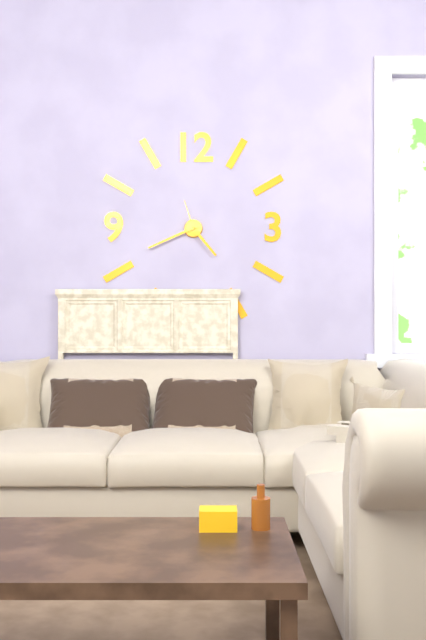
4:41
